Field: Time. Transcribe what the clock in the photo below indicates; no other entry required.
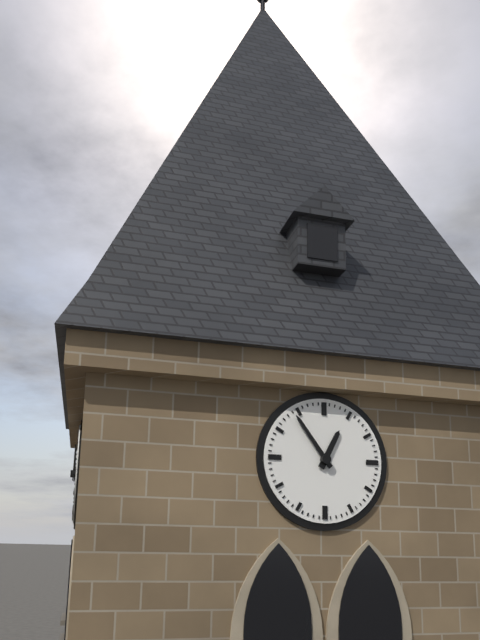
12:54
